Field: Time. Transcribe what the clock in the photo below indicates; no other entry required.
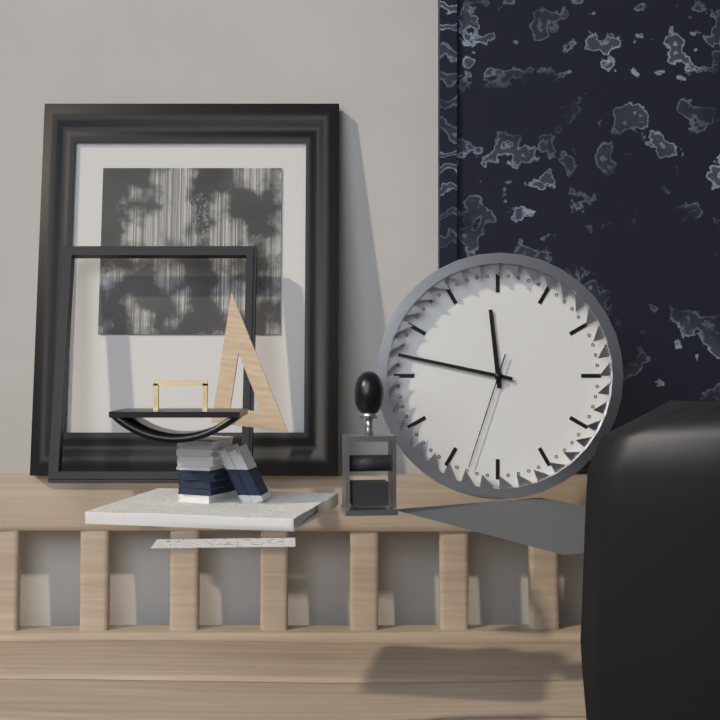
11:47:33
